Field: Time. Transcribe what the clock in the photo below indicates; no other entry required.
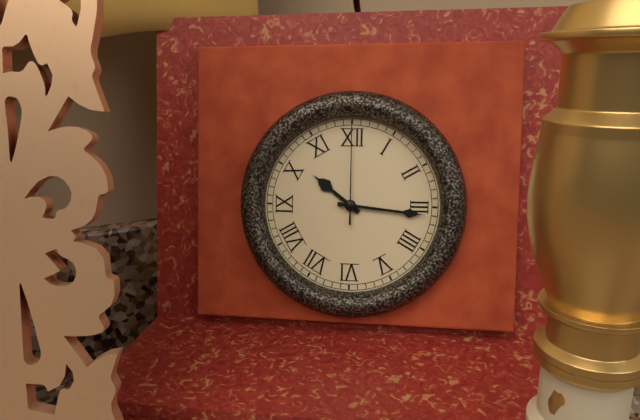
10:16:00
